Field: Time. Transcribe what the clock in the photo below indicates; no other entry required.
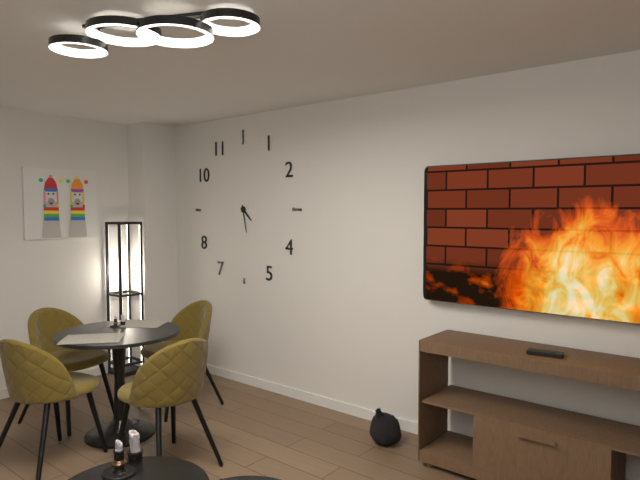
4:28
